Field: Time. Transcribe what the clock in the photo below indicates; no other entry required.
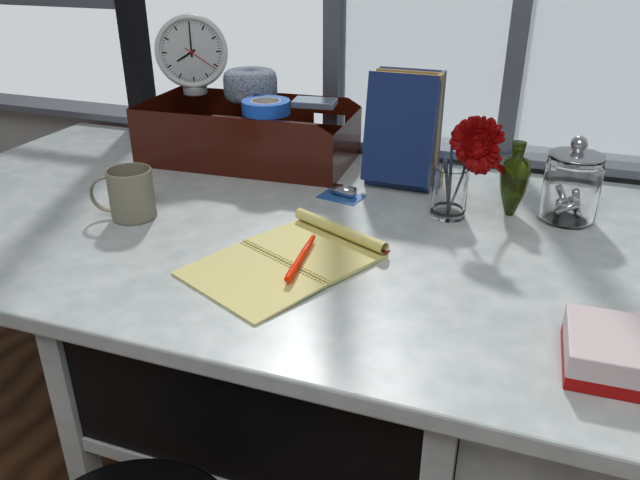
8:00
